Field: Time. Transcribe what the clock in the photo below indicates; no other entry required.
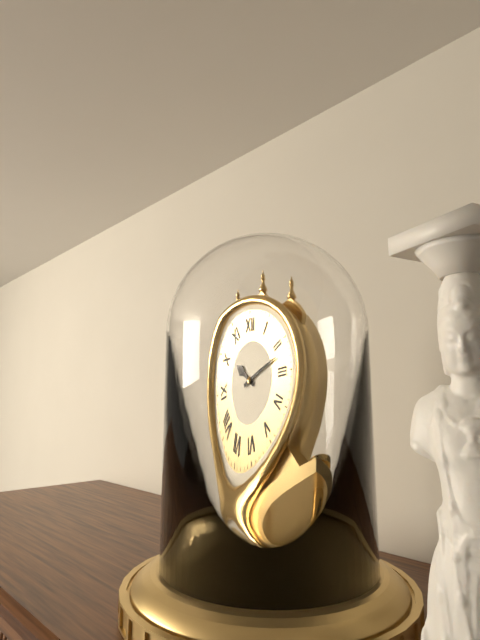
10:12
